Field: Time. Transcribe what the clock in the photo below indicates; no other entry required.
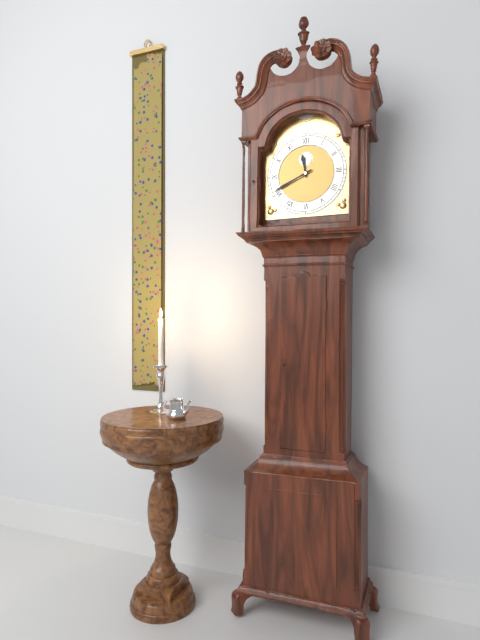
11:41
